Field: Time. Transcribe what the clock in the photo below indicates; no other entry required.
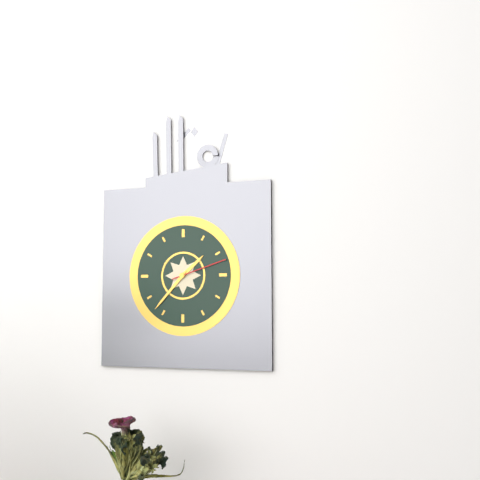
1:37:12
